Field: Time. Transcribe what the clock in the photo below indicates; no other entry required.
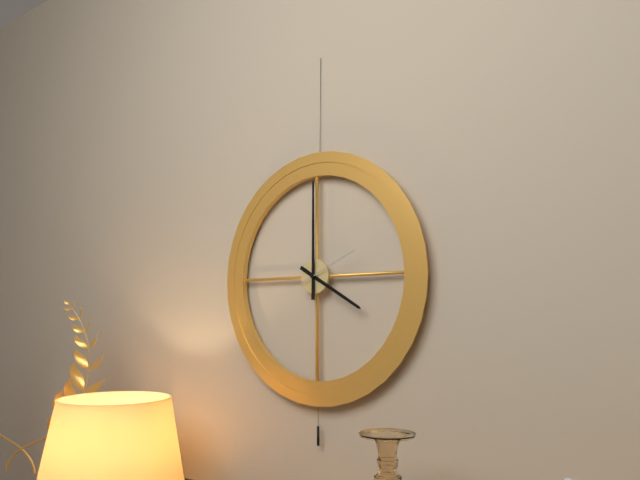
4:00:11
